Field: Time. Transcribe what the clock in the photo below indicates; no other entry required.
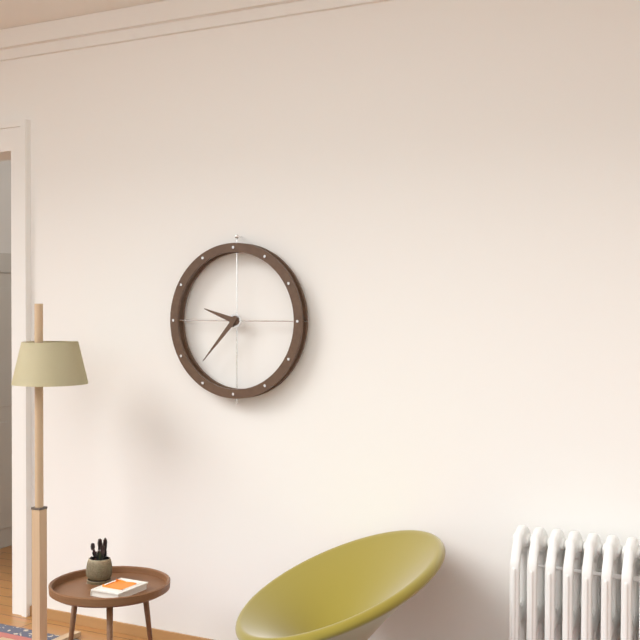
9:37
